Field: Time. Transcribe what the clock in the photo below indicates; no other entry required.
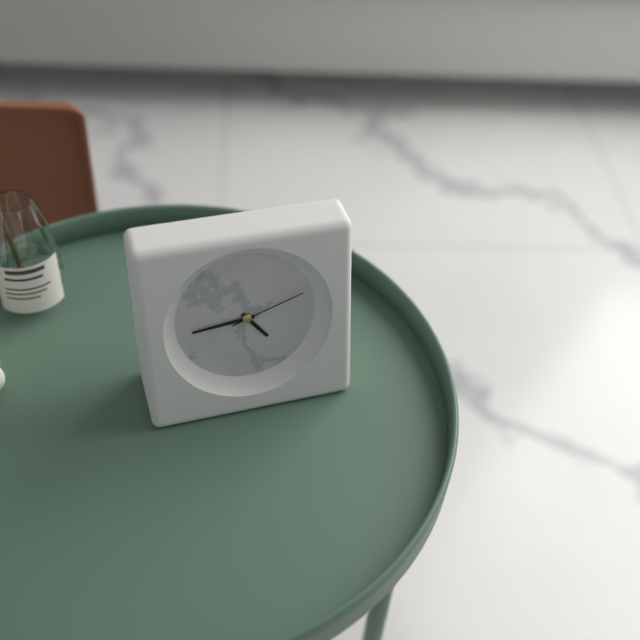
4:44:12
